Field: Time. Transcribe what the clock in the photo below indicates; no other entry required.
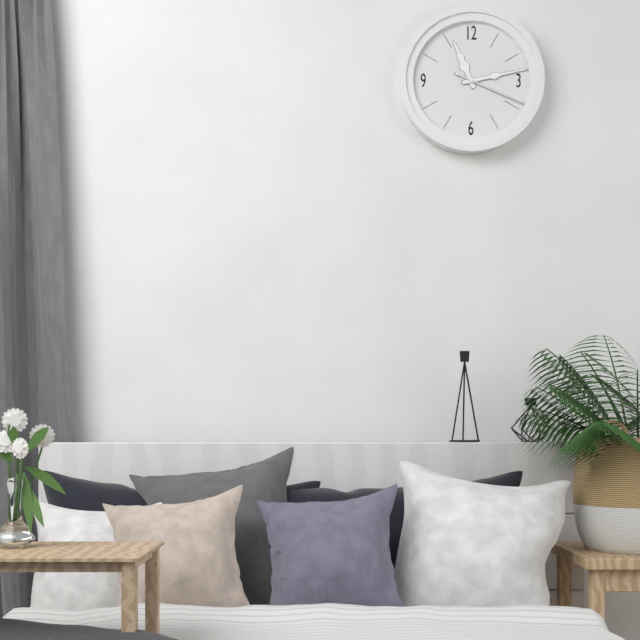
11:13:19
